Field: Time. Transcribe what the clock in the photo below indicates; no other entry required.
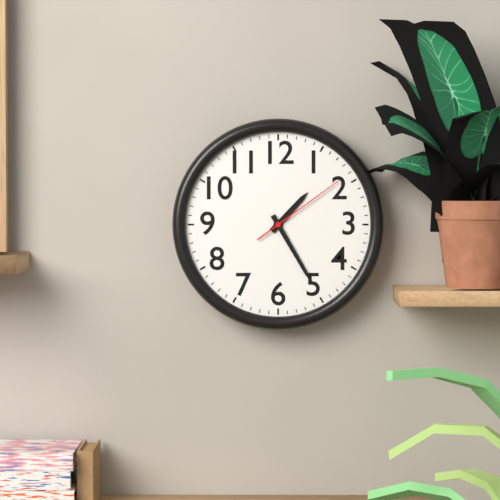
1:25:09
